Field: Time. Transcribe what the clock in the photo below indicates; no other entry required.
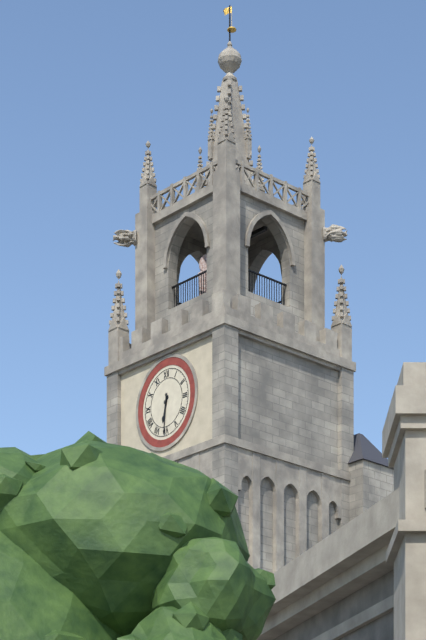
6:31
